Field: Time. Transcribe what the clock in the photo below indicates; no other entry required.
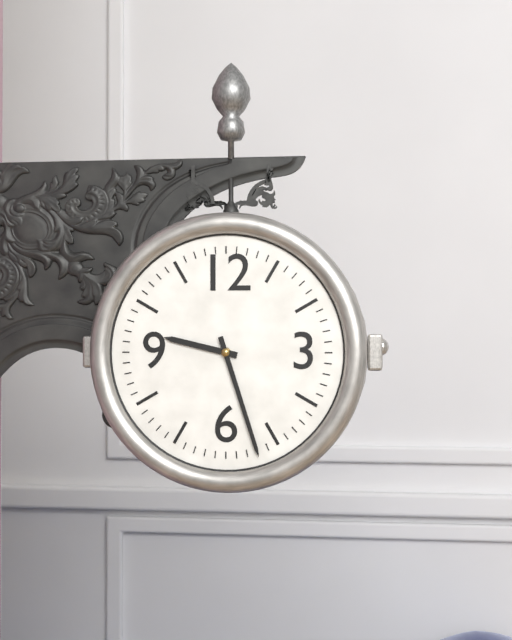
9:27
